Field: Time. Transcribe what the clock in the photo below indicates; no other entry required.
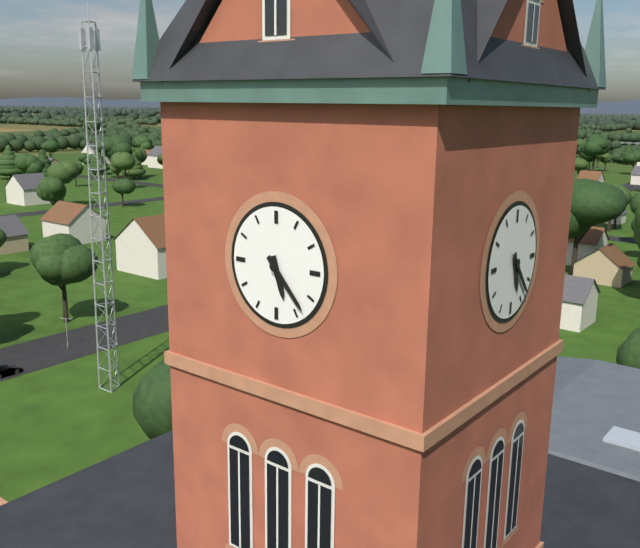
5:23
